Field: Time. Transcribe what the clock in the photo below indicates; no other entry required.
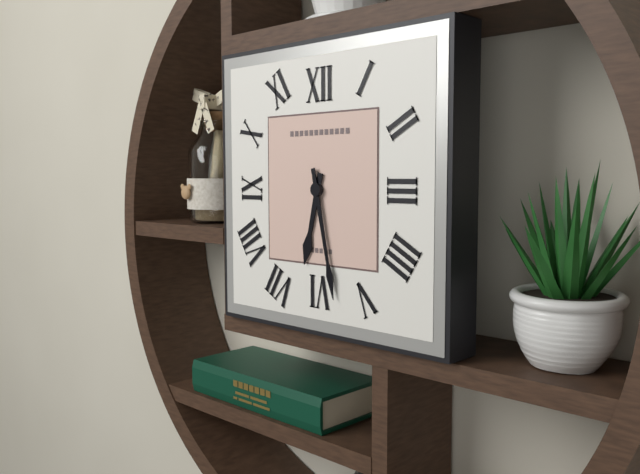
6:28
